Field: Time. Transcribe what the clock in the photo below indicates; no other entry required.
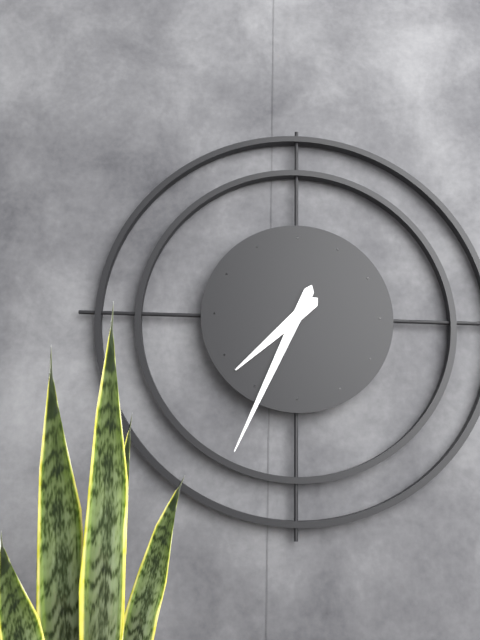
7:34
